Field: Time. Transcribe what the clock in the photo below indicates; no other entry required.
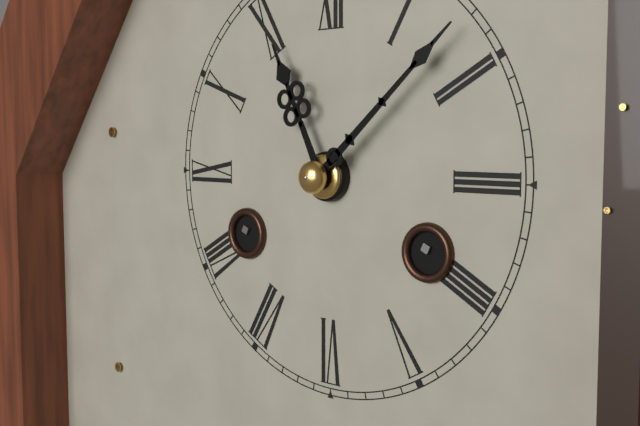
11:08
